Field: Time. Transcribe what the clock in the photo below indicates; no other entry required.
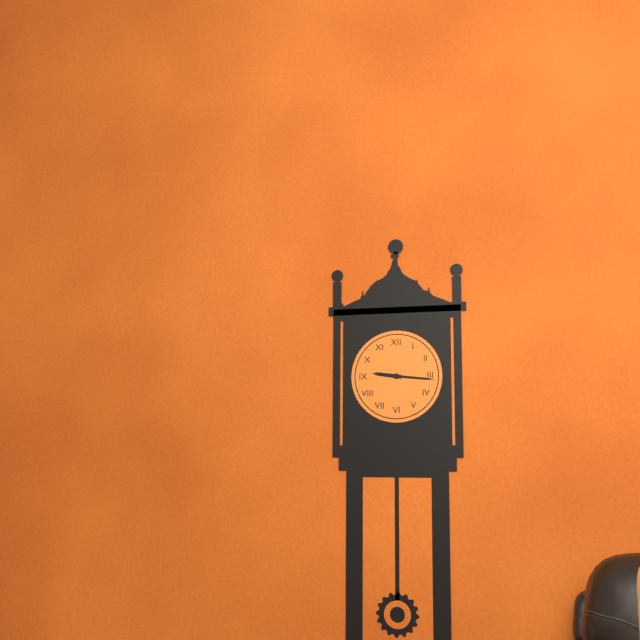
9:16
